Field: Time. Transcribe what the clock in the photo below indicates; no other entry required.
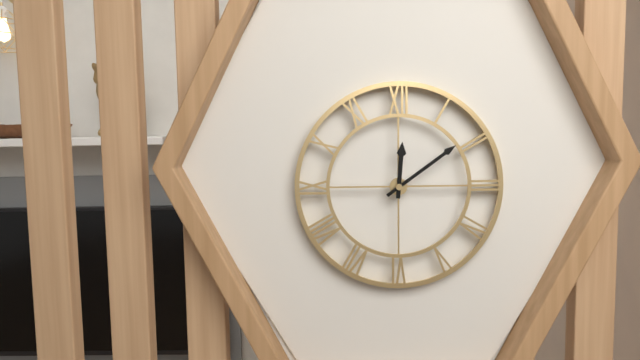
12:09
